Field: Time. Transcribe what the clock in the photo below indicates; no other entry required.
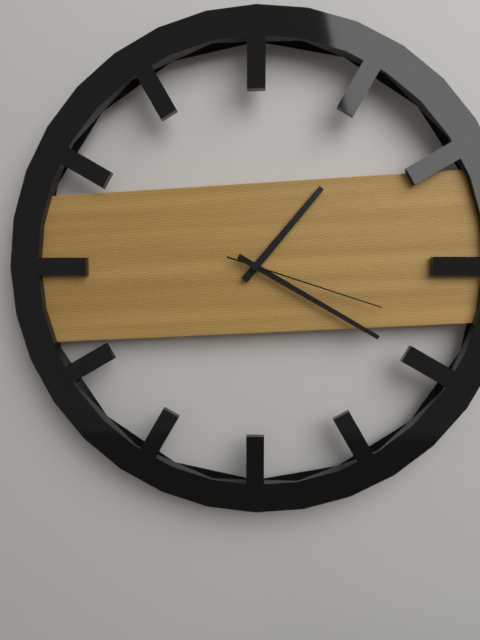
1:20:18
